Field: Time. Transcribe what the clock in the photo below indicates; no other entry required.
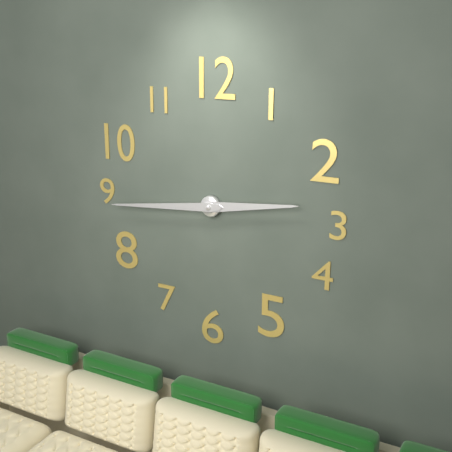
2:44
